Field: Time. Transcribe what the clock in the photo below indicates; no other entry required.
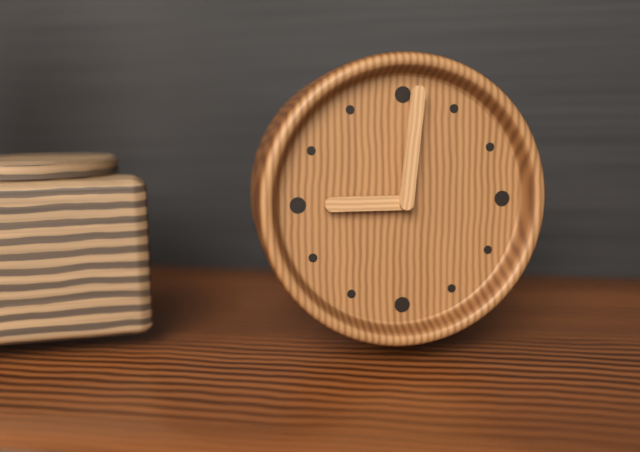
9:01
